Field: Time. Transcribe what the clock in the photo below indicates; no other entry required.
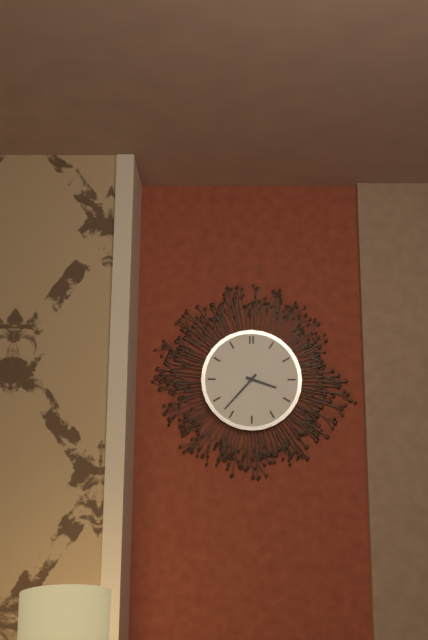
3:37
